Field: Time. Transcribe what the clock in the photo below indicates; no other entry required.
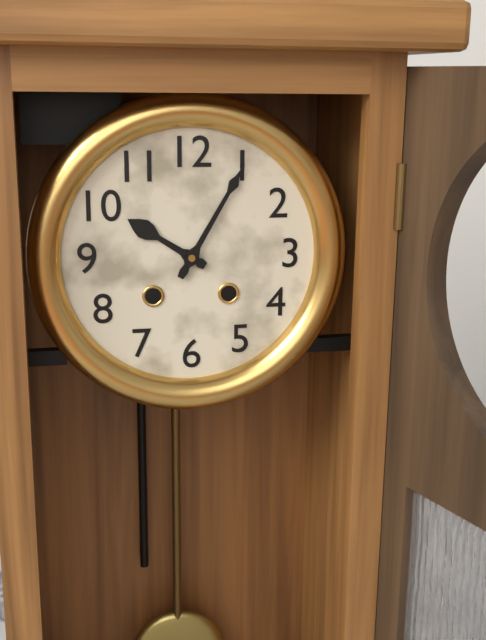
10:05
